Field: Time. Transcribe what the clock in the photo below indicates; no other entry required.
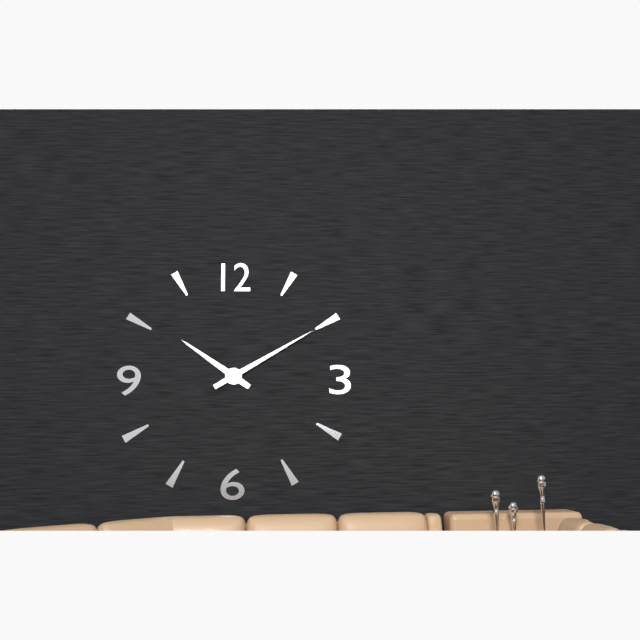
10:10
